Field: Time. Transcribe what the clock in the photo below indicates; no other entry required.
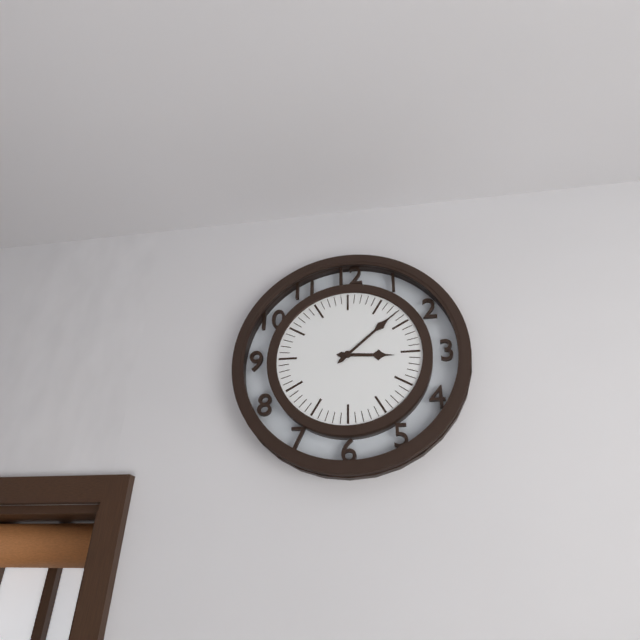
3:08
